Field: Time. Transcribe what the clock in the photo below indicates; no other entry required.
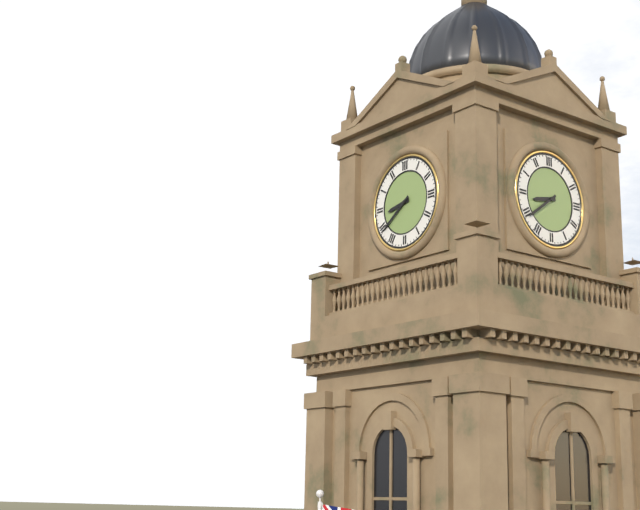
8:39
